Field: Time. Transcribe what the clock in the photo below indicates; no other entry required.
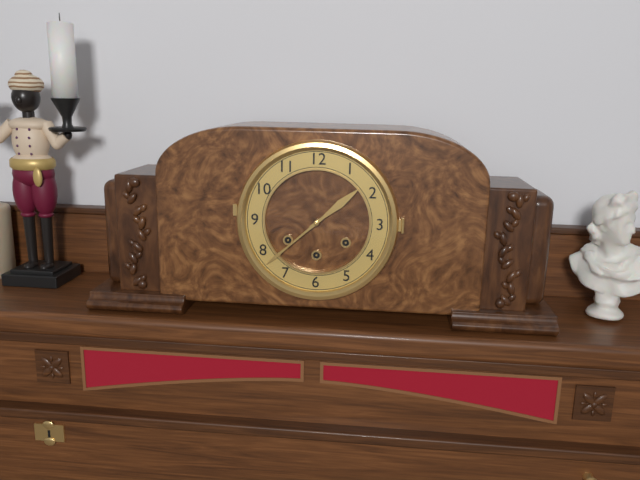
1:38
